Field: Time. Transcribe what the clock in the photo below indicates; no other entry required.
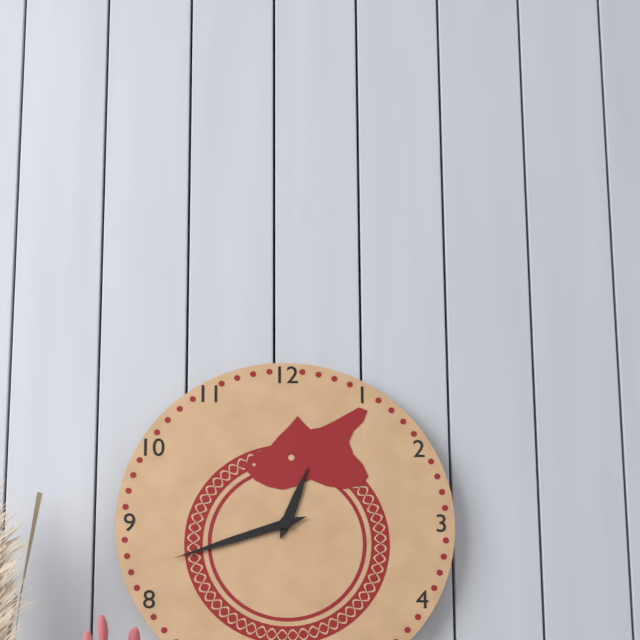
12:42
